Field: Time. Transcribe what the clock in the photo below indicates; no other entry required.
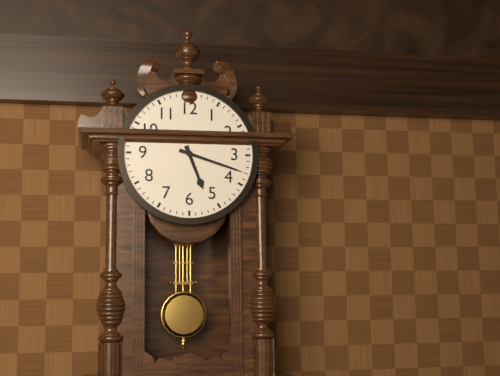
5:18
